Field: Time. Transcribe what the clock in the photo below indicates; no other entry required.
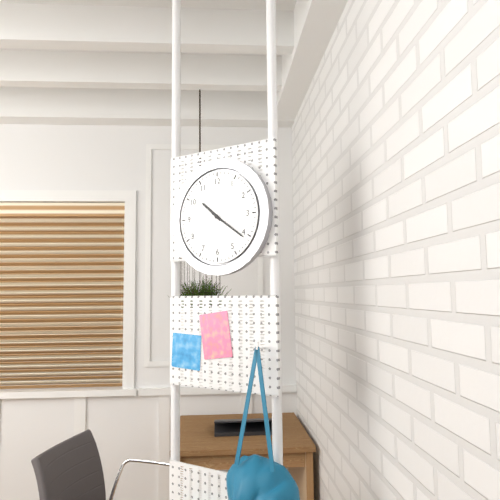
10:21
